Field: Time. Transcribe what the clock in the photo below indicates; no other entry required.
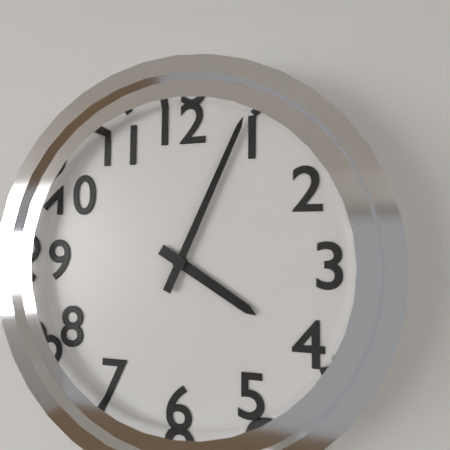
4:04
